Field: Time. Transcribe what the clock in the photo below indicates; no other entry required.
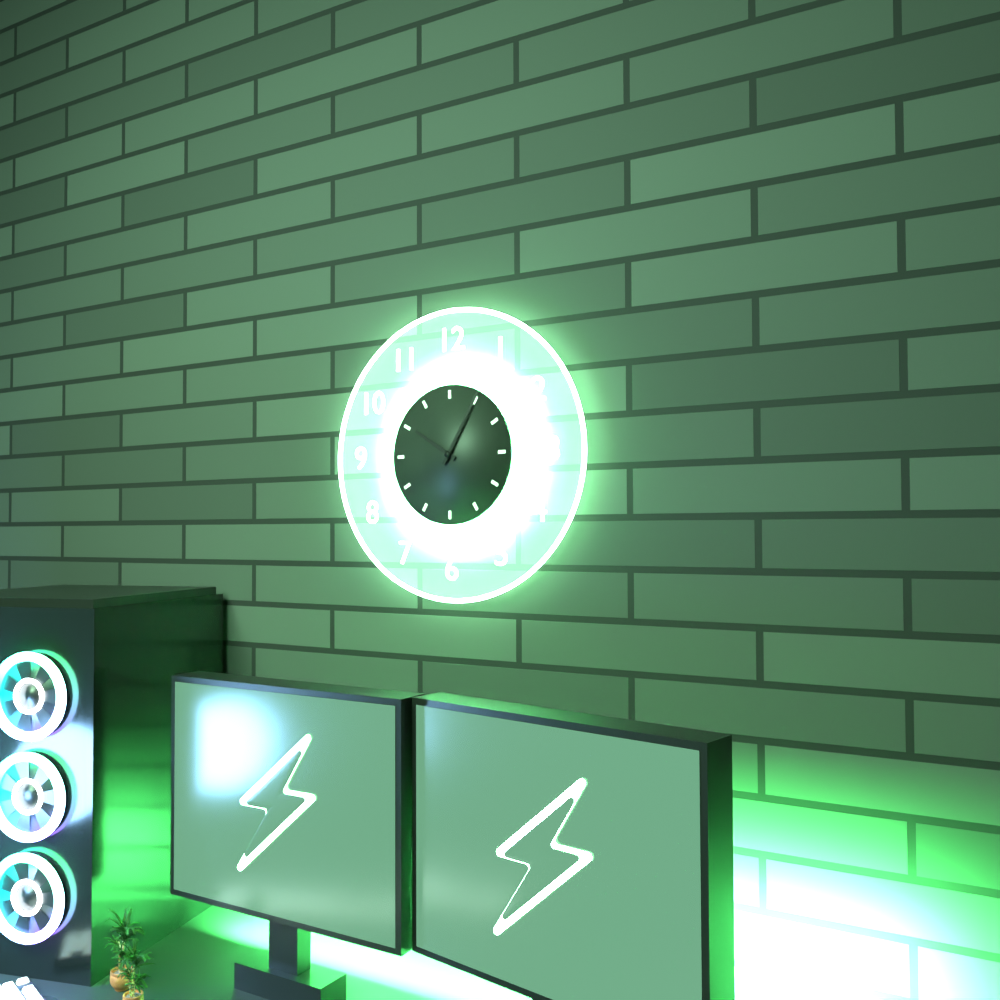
10:05
